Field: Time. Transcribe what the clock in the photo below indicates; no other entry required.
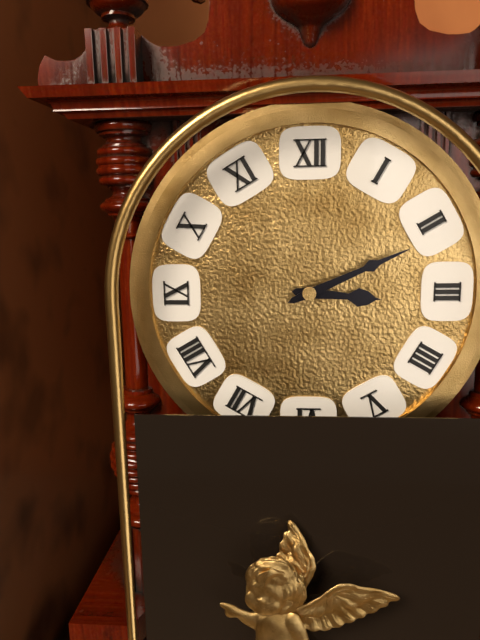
3:11
